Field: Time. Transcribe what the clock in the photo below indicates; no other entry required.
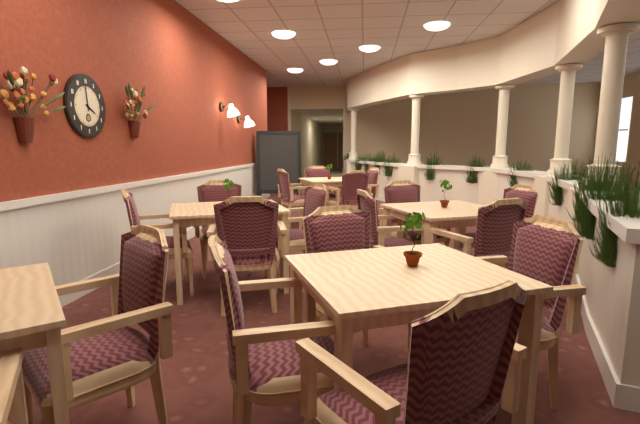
3:59
